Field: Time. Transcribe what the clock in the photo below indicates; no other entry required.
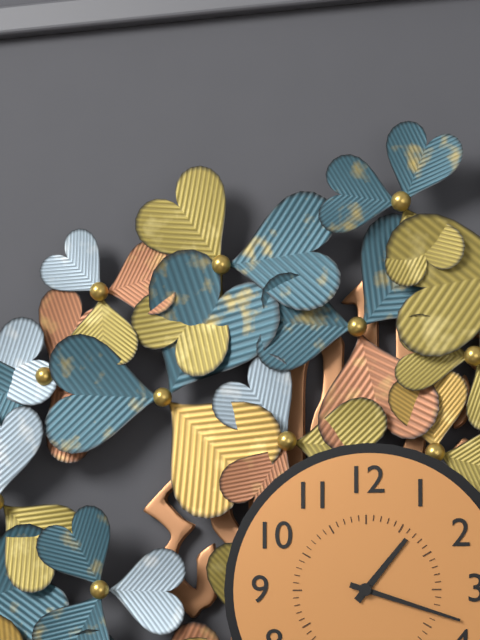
1:18
